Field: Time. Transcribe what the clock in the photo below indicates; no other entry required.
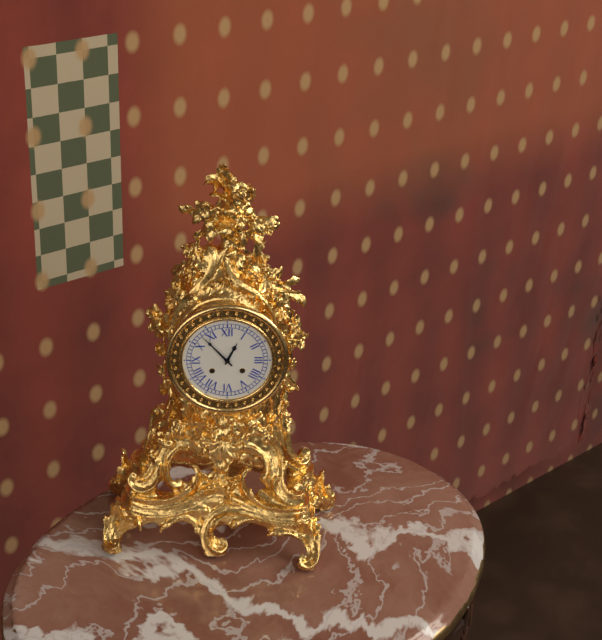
12:53
